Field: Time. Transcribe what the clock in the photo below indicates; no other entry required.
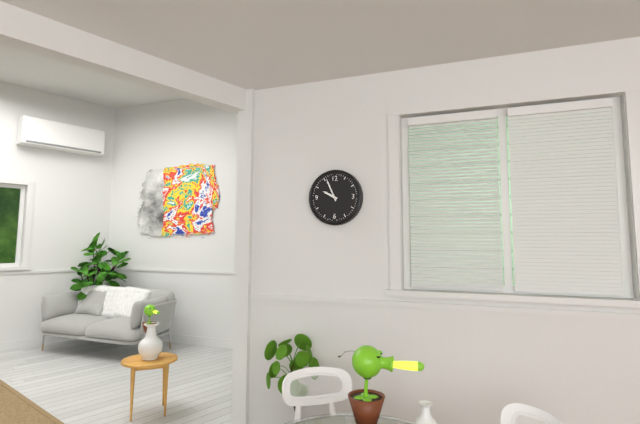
9:56
